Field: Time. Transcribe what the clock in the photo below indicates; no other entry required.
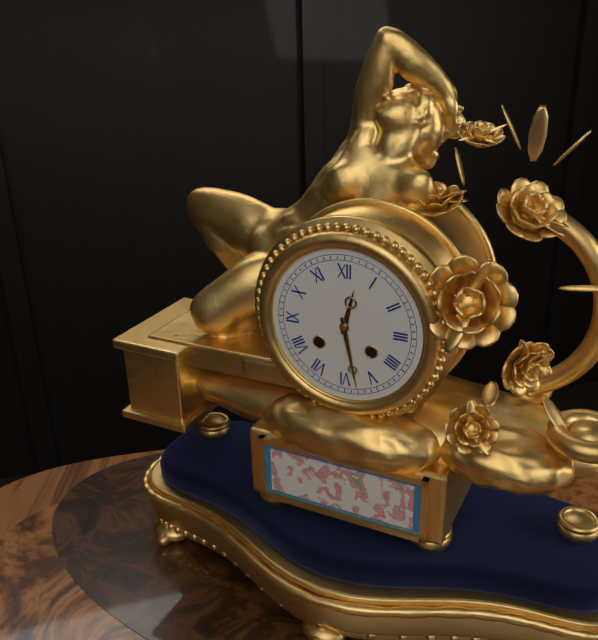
12:28
